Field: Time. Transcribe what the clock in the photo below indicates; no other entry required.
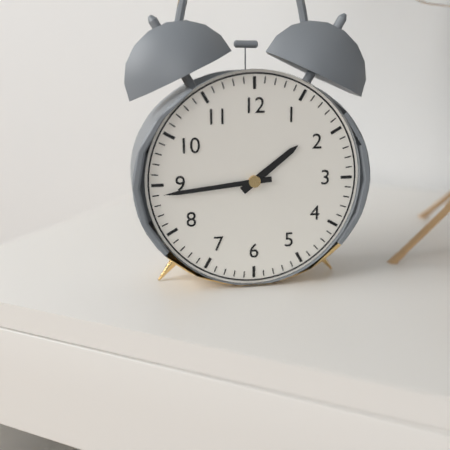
1:44
